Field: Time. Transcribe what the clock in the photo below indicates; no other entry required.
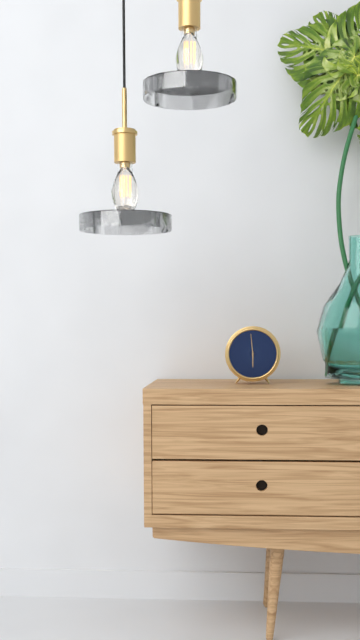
5:59
